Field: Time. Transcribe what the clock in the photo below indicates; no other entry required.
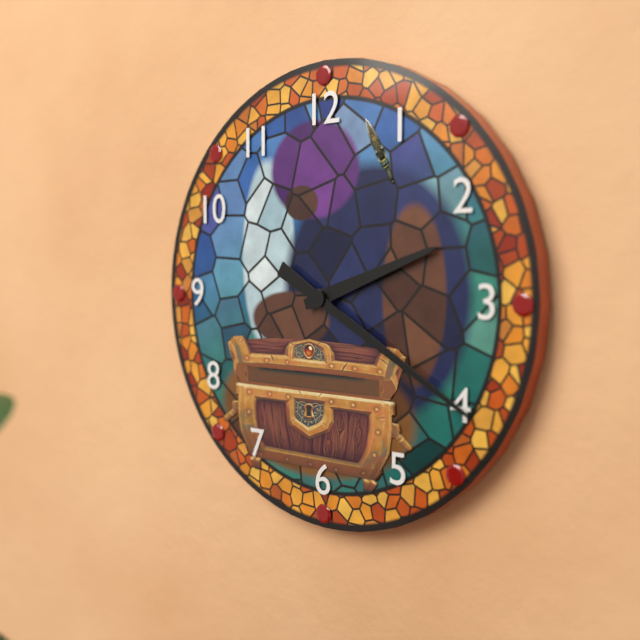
2:20
